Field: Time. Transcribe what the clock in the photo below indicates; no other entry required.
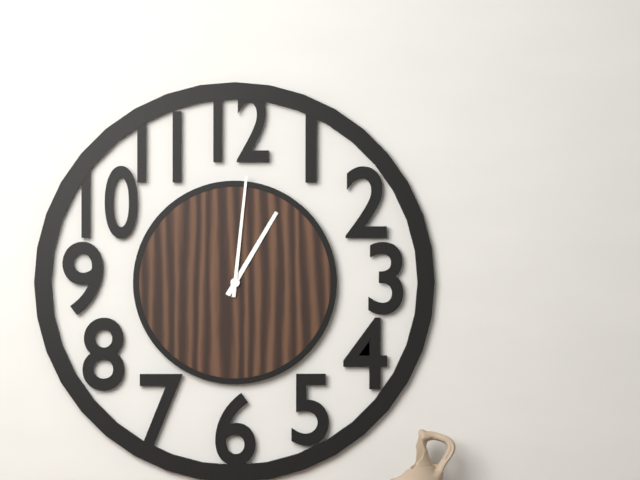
1:01
